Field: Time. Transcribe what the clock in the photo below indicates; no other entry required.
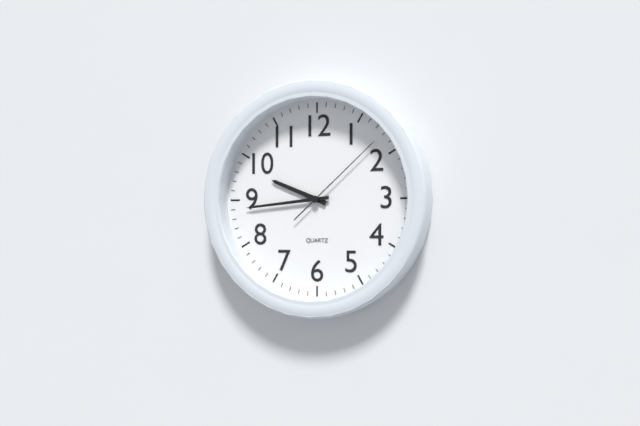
9:44:08
